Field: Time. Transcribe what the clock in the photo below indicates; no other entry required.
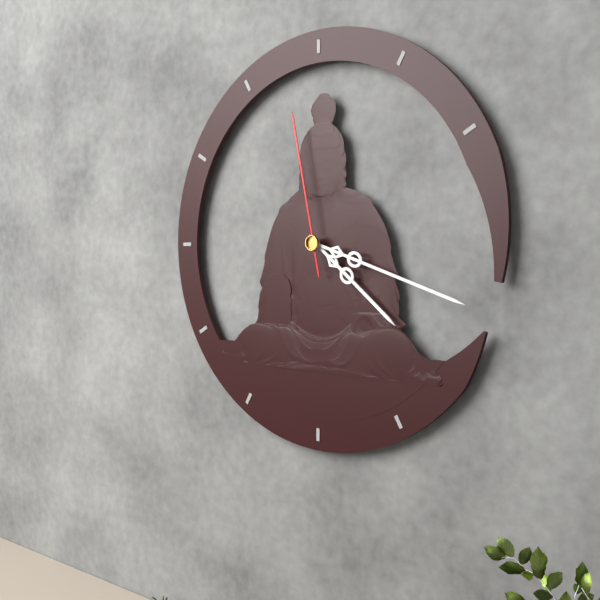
4:18:58
